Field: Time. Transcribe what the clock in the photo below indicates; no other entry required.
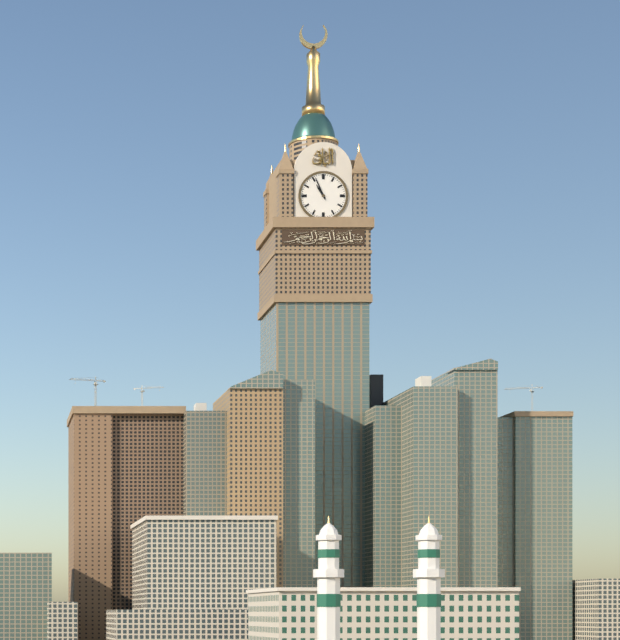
10:56
